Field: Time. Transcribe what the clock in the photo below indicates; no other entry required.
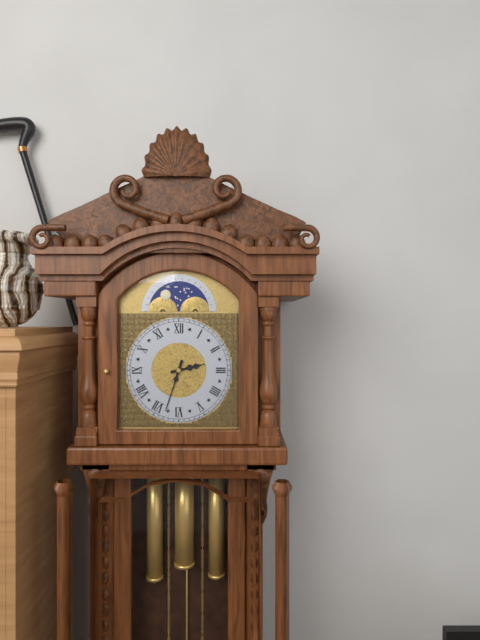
2:33
